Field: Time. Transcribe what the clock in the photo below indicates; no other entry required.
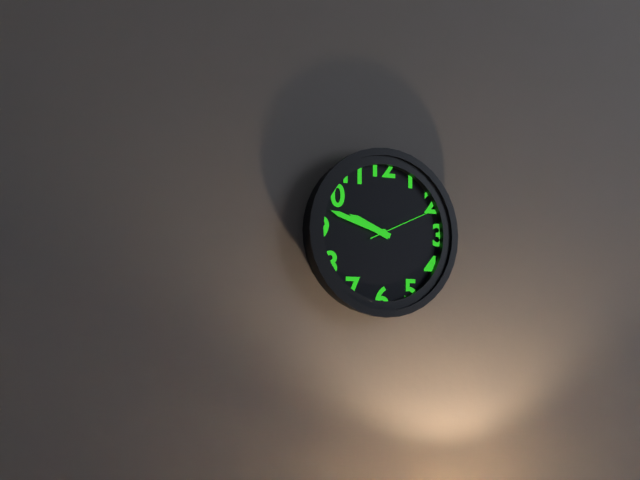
9:48:11
